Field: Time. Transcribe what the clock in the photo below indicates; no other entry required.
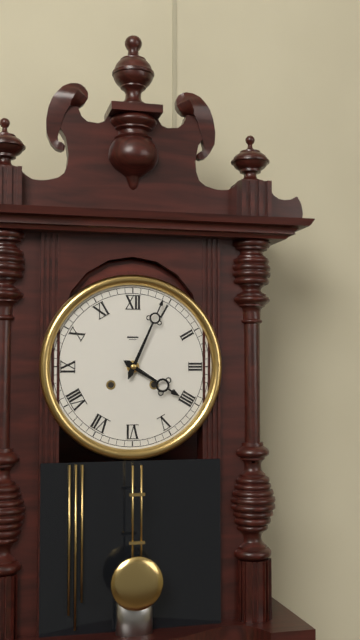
4:04
